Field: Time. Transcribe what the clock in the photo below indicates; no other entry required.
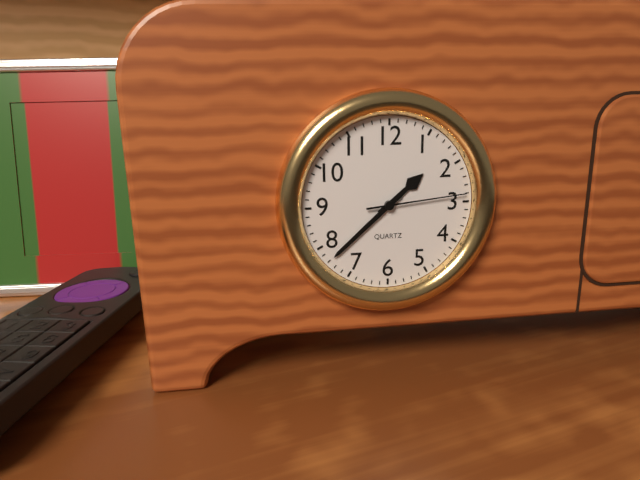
1:38:14
